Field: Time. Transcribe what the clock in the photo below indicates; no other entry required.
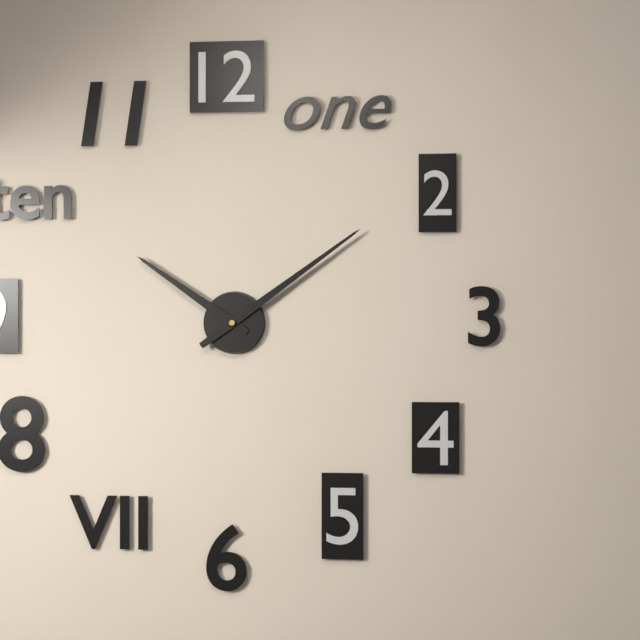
10:09
